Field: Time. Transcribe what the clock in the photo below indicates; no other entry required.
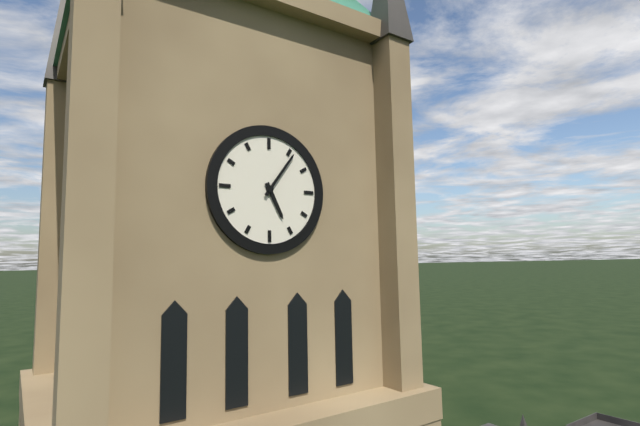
5:06
